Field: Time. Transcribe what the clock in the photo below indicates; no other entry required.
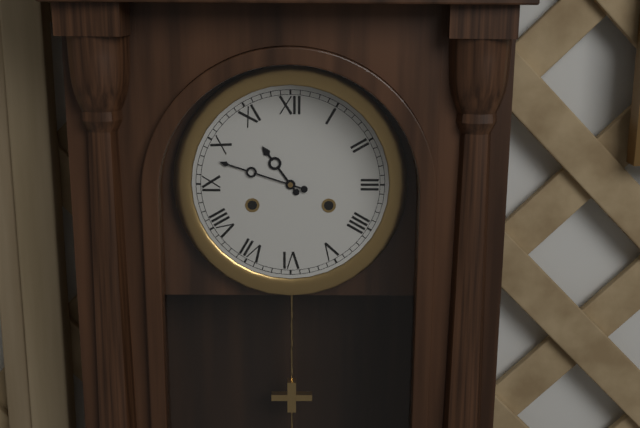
10:48
